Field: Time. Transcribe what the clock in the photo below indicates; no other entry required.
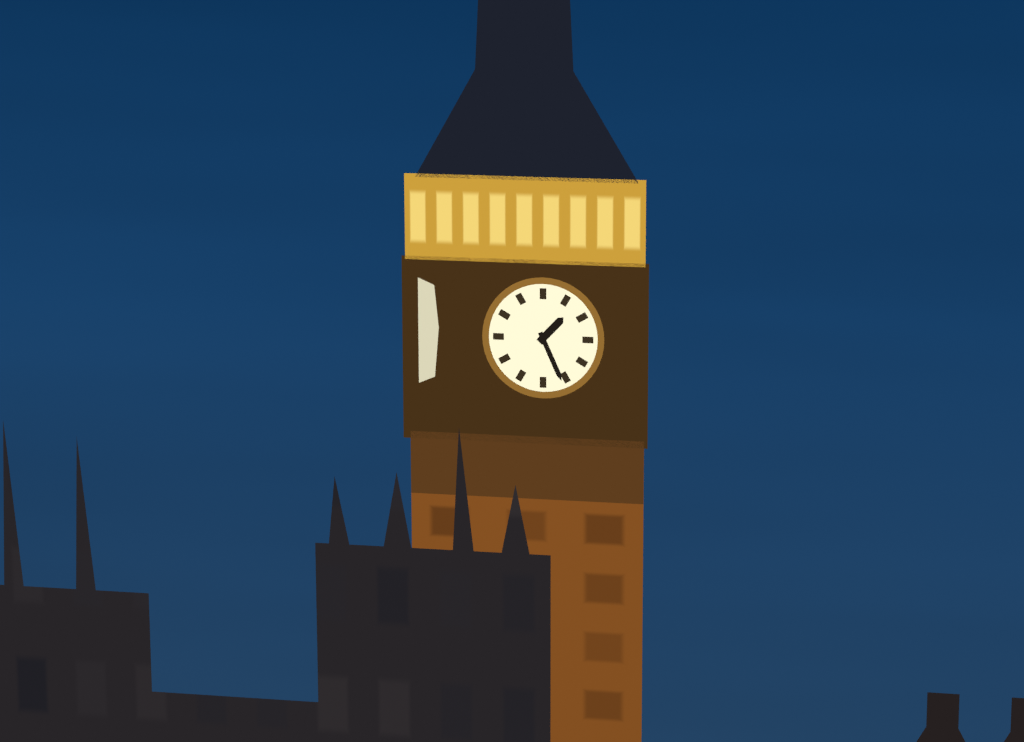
1:26
